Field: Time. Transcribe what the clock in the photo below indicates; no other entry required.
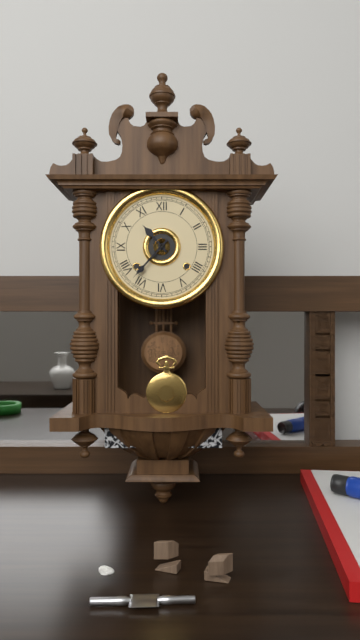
10:37
